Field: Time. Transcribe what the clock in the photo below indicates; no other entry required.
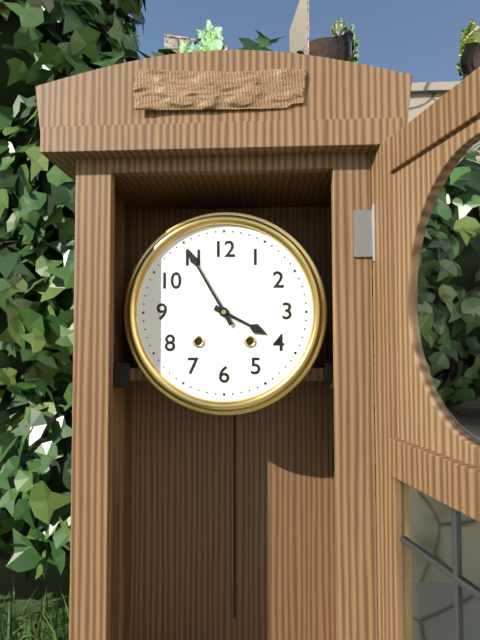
3:55
